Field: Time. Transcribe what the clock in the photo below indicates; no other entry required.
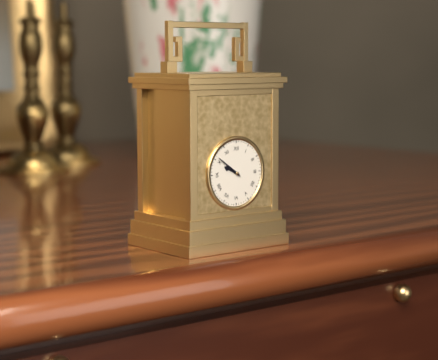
9:51
